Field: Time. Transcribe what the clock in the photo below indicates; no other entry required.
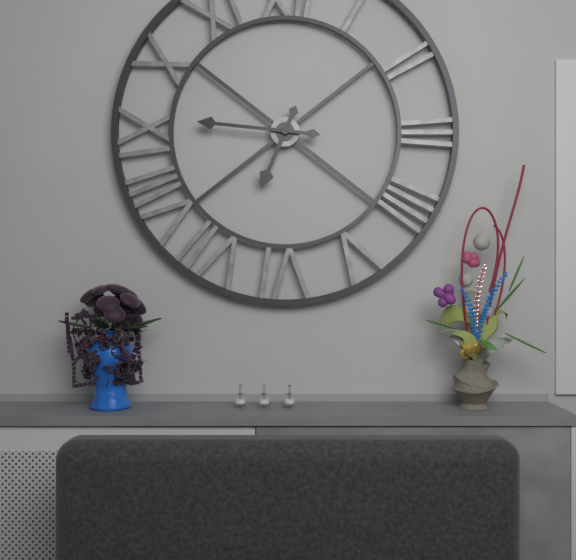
6:46
